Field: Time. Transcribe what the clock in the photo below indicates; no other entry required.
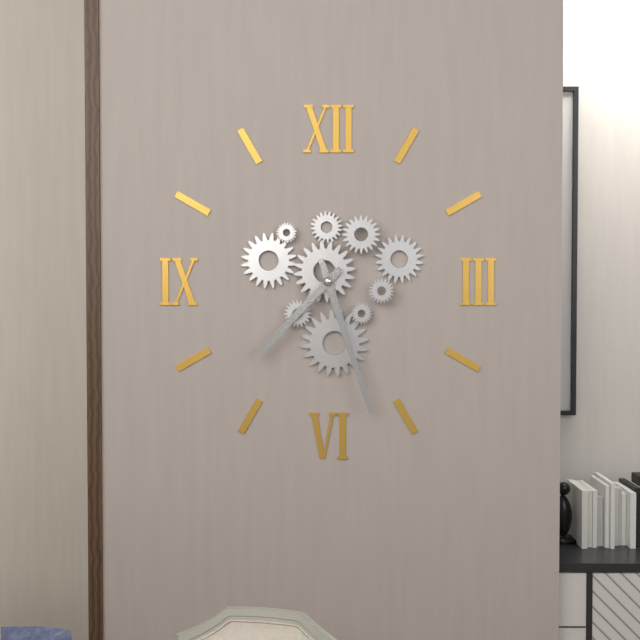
7:27
